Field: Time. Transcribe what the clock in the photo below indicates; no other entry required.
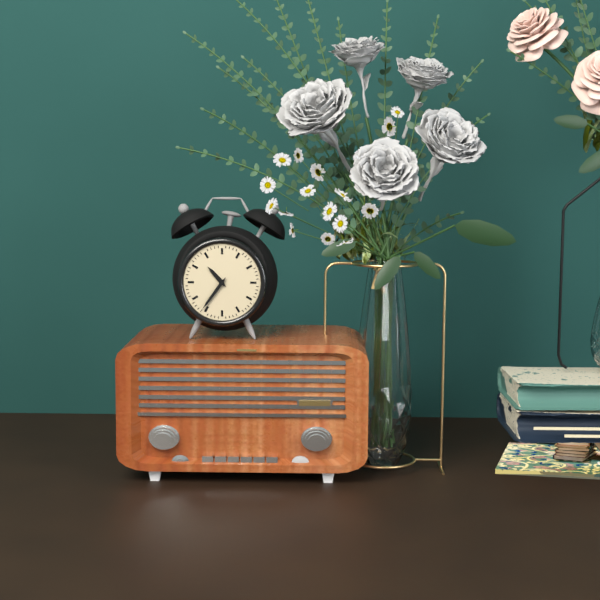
10:36
